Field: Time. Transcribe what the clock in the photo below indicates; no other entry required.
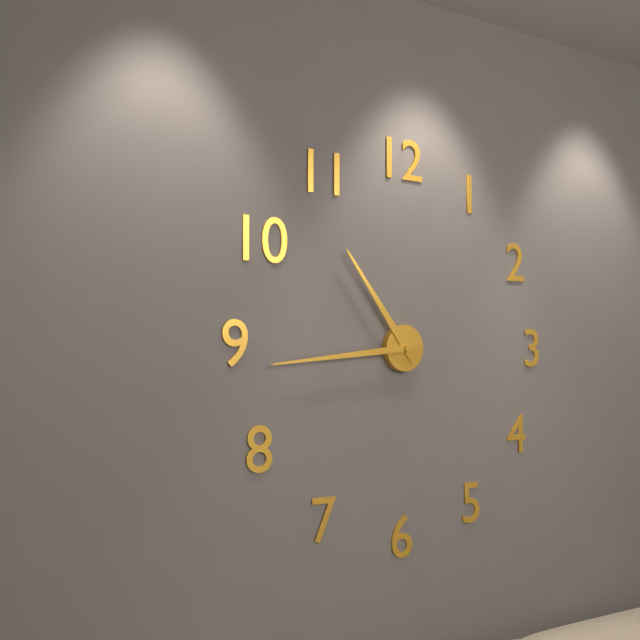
10:44
